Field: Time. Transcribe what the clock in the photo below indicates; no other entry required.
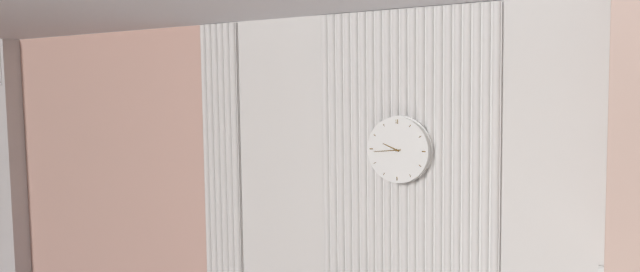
9:44
